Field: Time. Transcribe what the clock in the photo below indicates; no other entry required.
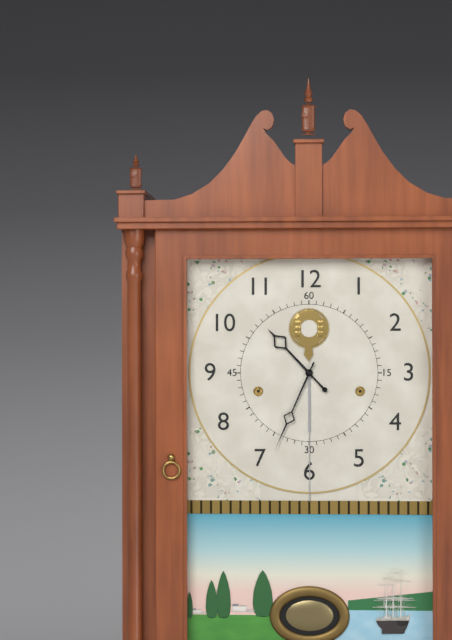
10:34
